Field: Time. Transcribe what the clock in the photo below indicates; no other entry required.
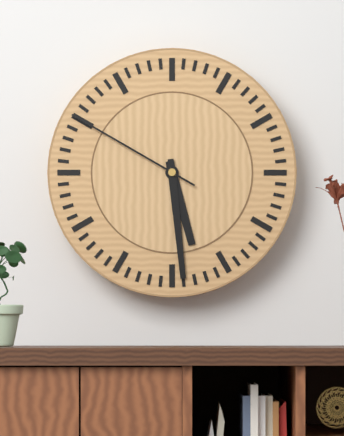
5:29:50
